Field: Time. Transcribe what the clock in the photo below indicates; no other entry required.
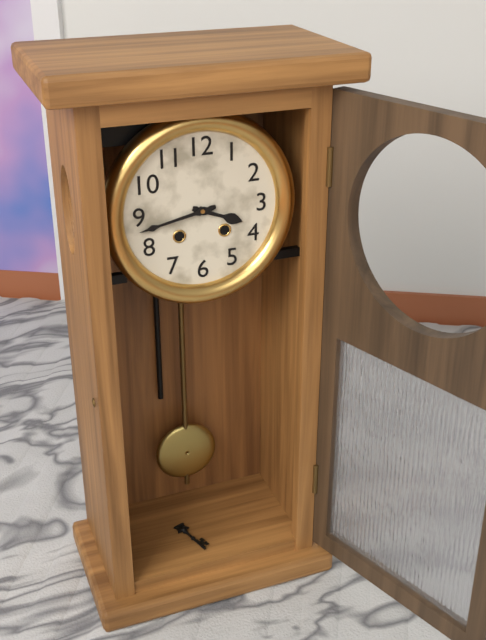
3:43
